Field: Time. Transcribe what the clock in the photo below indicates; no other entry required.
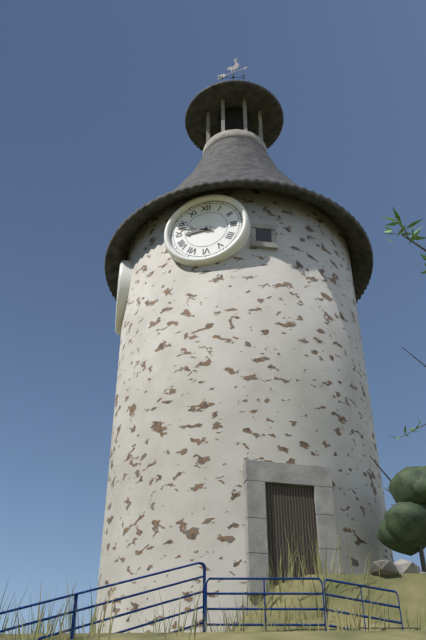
8:48
